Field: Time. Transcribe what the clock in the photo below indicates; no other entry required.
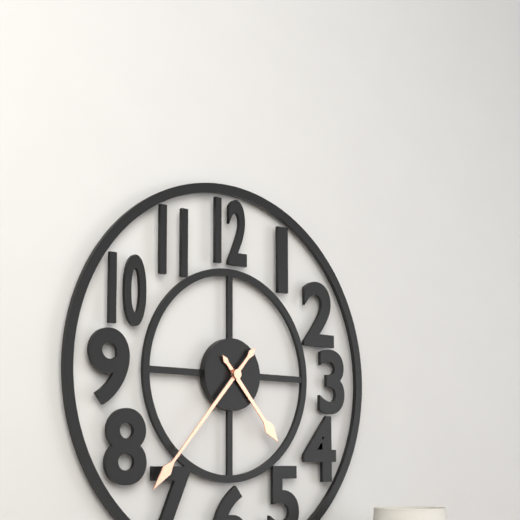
4:37
